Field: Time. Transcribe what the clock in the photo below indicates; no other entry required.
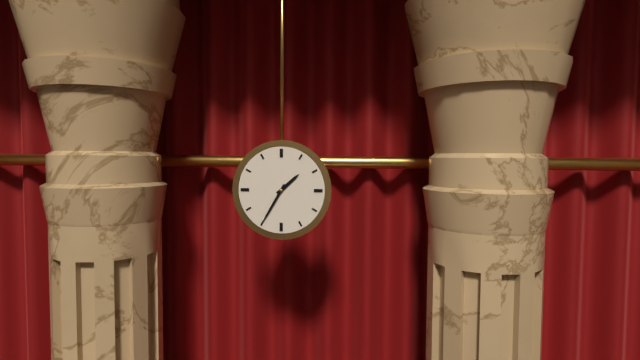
1:35
